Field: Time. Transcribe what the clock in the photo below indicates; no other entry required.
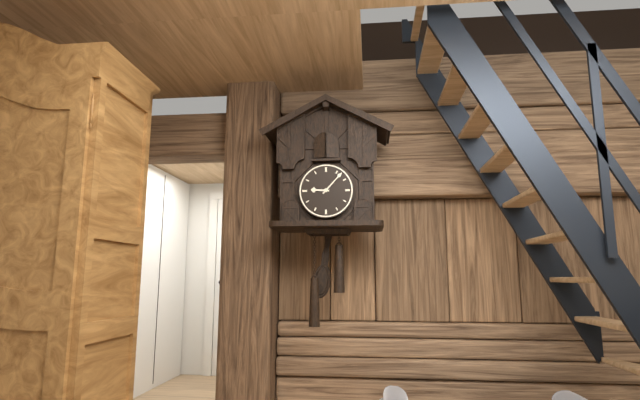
9:07
